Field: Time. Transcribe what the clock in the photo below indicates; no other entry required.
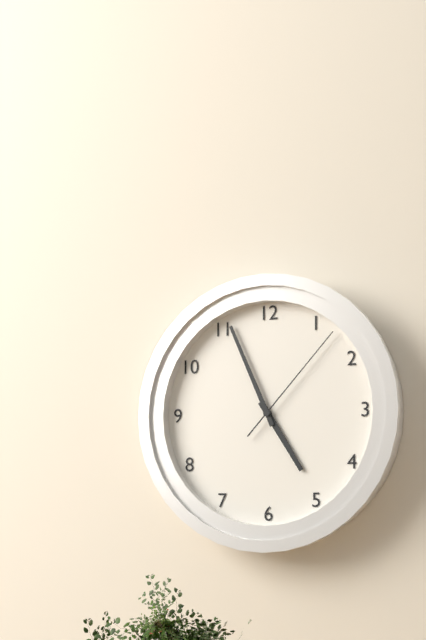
4:56:07
